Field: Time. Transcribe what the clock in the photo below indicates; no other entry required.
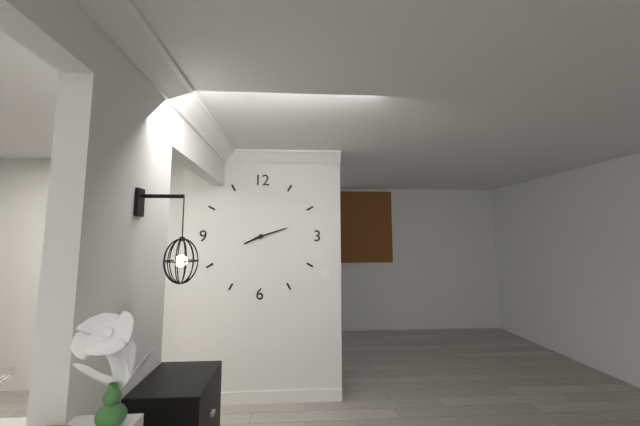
8:12
